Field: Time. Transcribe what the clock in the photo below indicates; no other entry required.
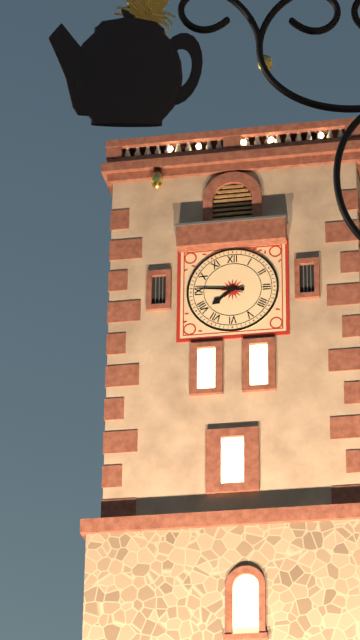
7:46
